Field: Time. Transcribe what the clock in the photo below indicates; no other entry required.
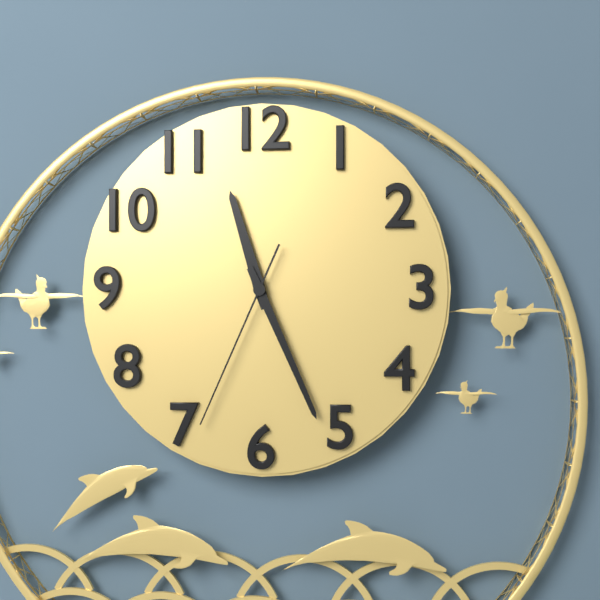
11:26:34
